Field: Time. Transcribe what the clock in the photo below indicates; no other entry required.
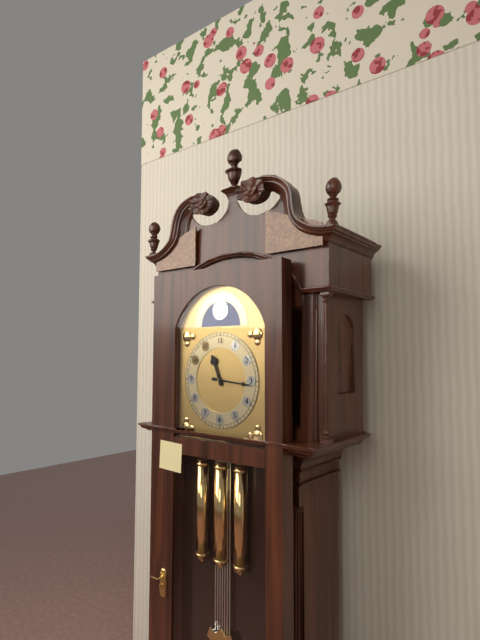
11:16
